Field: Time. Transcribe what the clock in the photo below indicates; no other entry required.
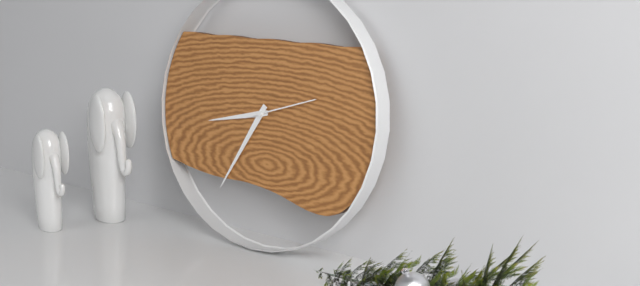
8:35:12
